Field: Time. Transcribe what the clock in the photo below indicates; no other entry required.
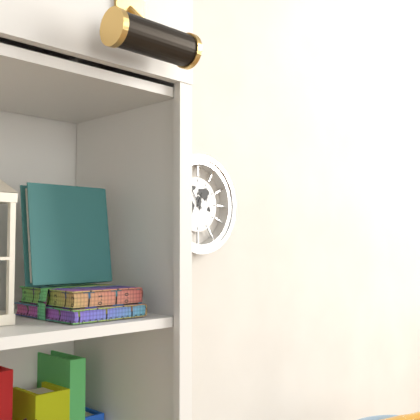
12:55
